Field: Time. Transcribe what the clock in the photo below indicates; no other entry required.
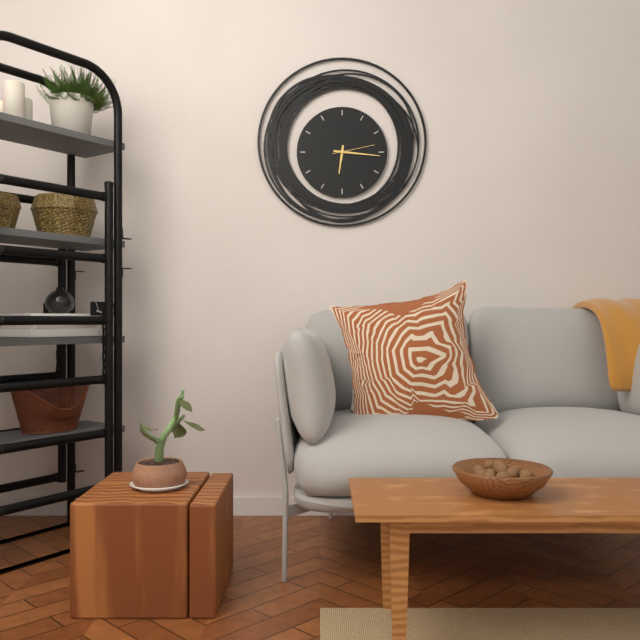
6:16
